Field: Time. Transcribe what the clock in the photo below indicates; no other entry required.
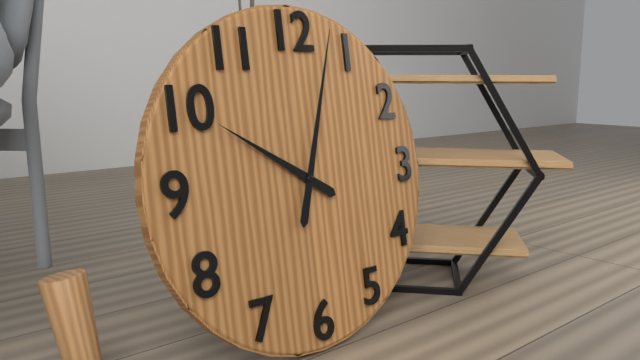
10:03
